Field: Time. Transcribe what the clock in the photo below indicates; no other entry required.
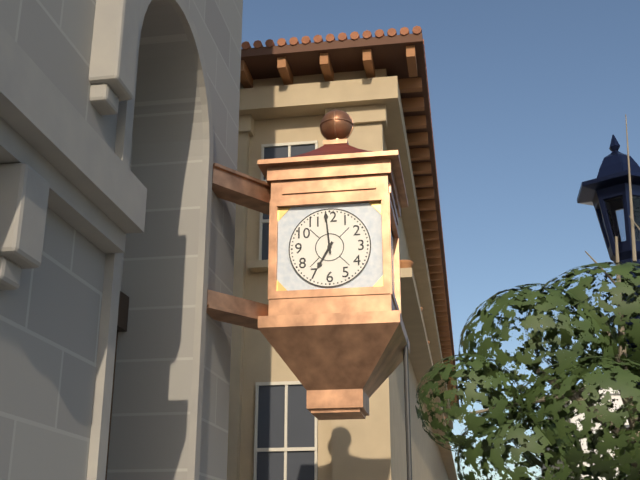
6:59
